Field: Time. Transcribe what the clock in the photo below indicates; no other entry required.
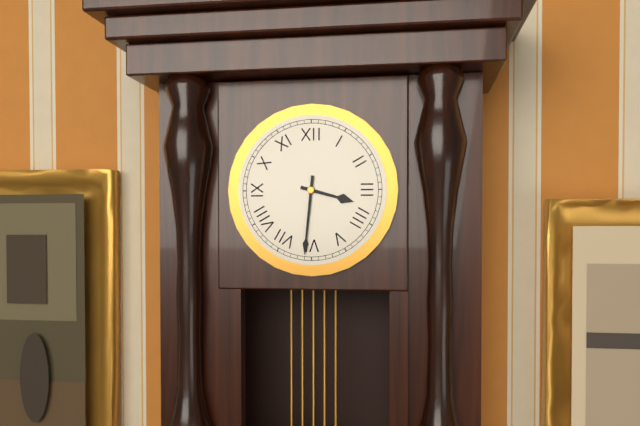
3:31
